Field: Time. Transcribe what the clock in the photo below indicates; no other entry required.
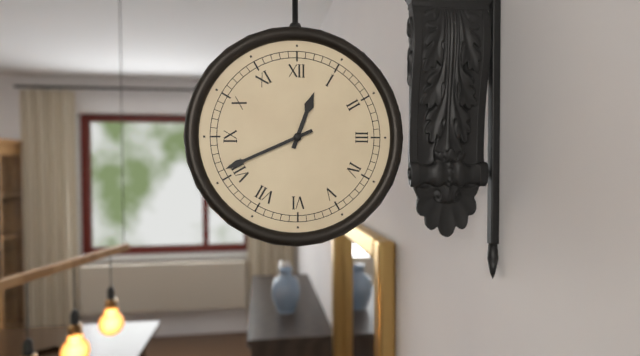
12:41
